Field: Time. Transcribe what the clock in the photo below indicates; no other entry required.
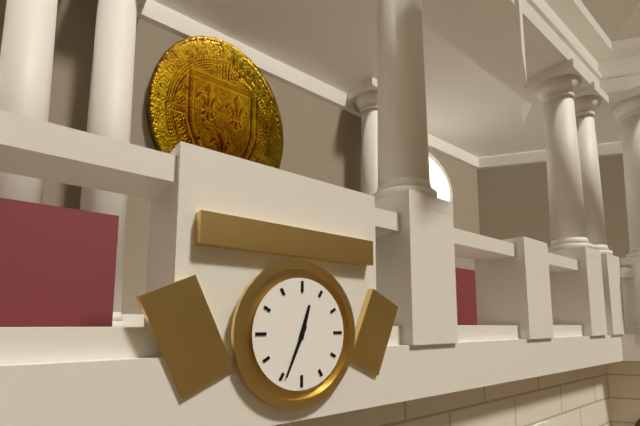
12:34
